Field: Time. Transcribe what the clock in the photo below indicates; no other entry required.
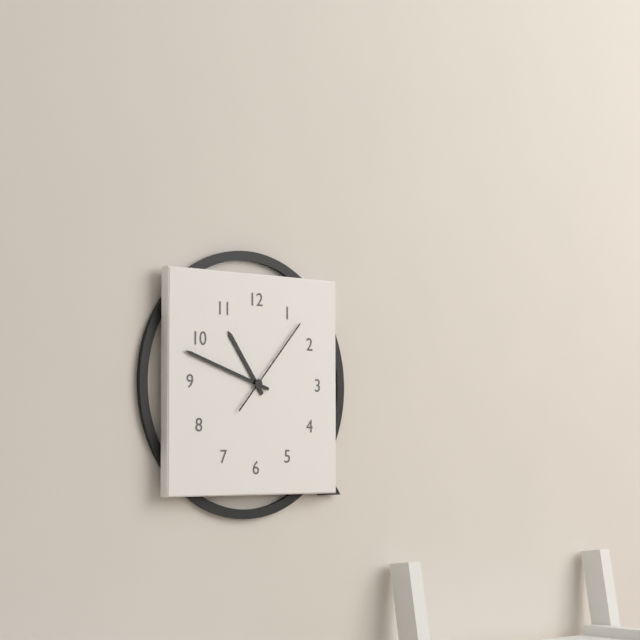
10:48:07
